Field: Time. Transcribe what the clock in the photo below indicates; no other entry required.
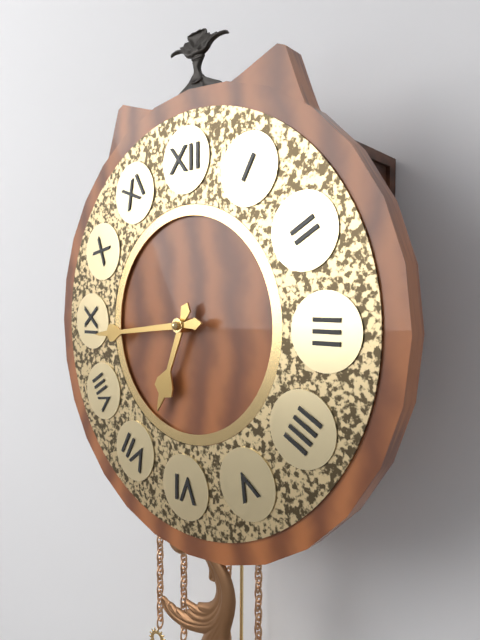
6:44
